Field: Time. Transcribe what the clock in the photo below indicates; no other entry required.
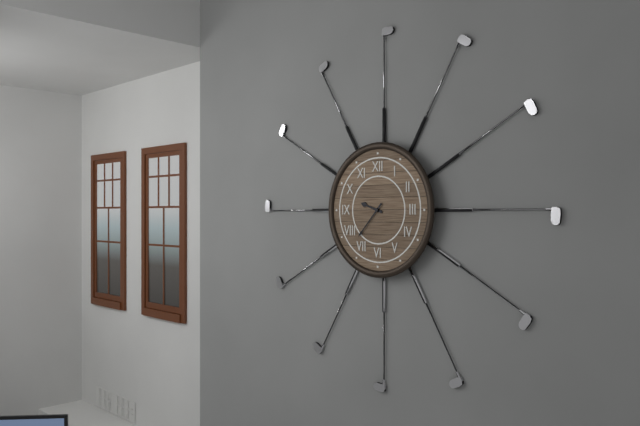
9:37
